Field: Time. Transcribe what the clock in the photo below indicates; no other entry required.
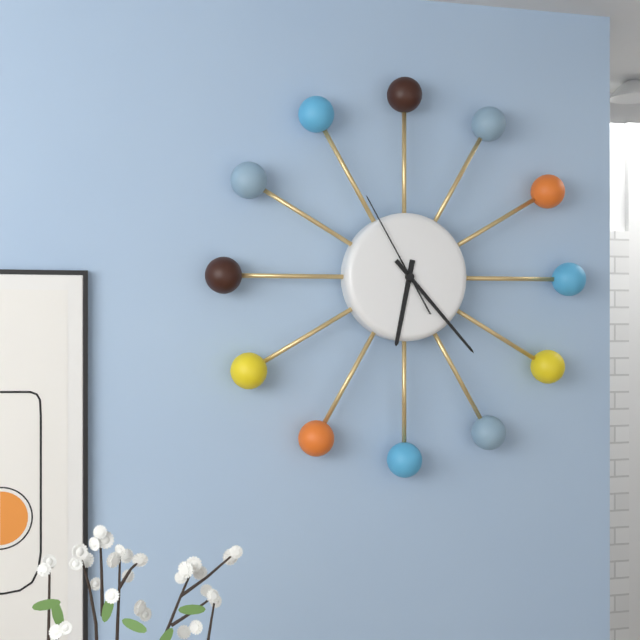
6:23:55
